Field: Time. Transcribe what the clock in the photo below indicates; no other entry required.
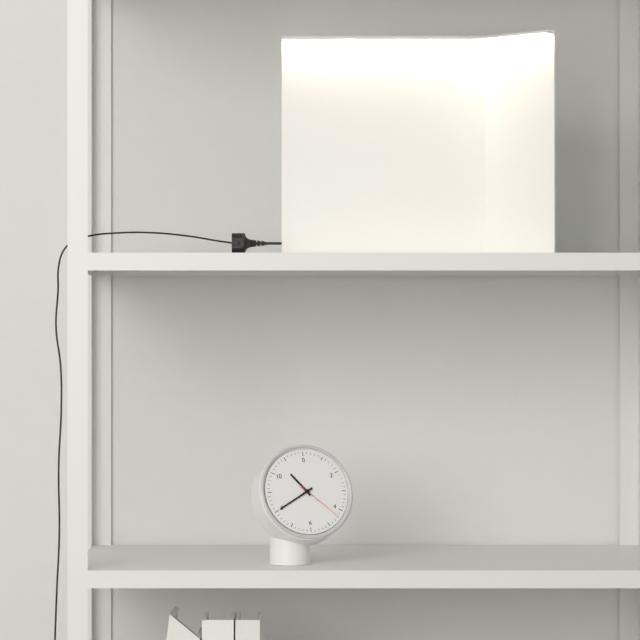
10:40
